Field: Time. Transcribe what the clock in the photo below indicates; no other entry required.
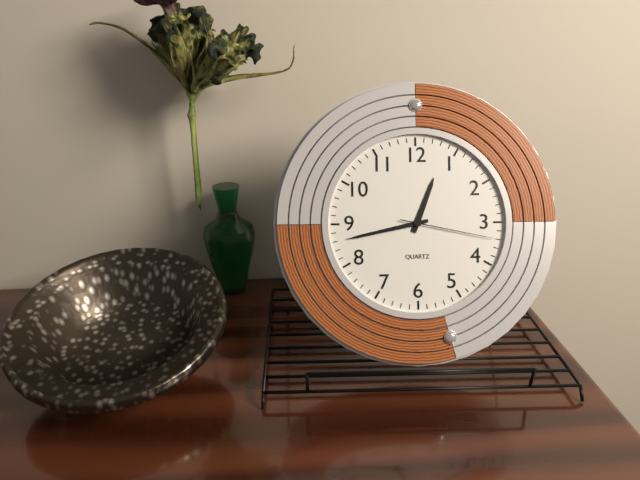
12:43:17
